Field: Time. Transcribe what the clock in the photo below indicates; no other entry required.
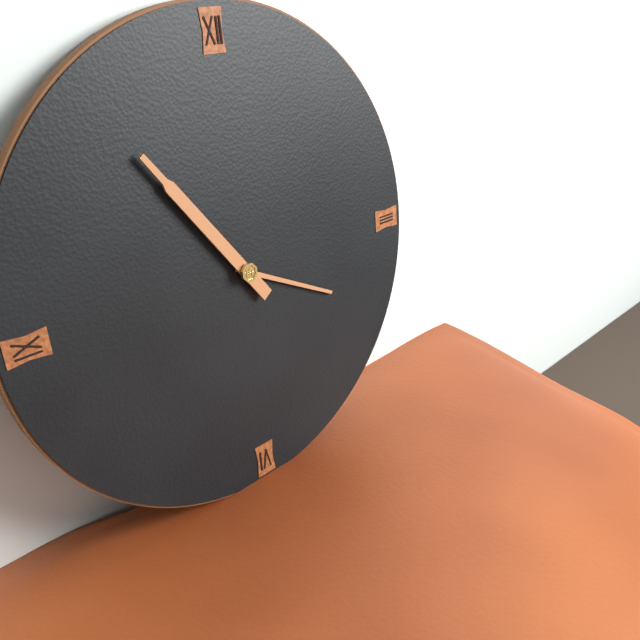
3:54
